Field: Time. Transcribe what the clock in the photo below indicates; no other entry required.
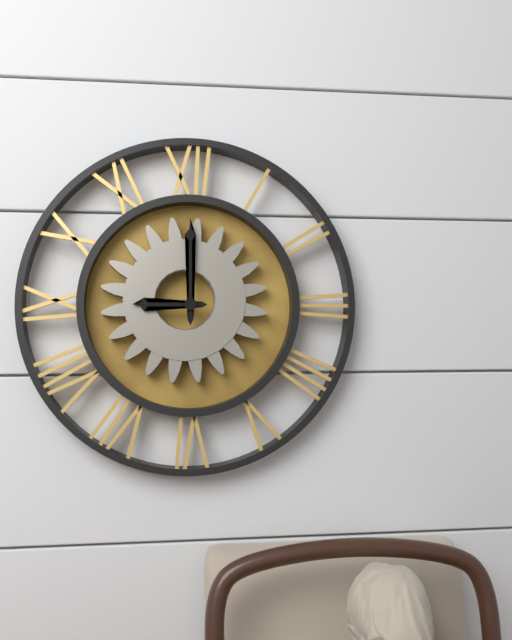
9:00
